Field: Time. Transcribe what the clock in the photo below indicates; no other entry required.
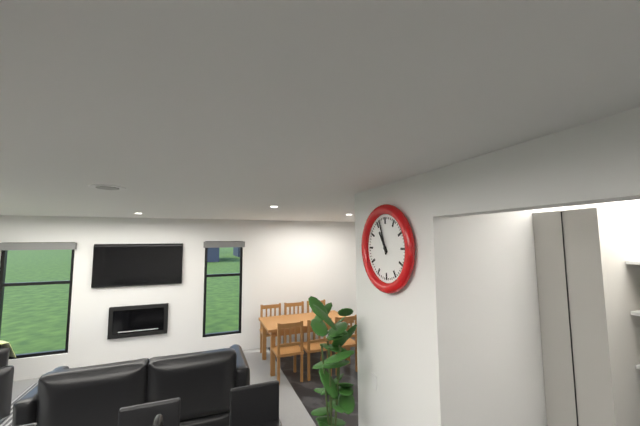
10:57
